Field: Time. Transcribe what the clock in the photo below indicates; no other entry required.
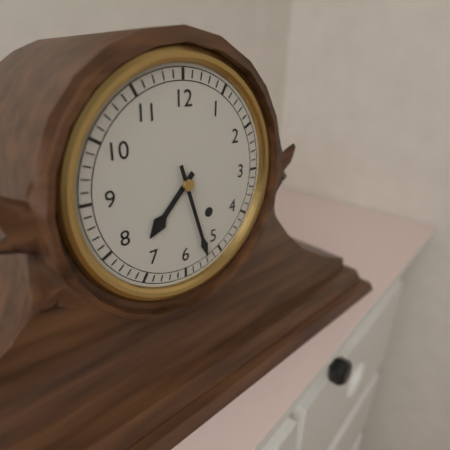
7:27
